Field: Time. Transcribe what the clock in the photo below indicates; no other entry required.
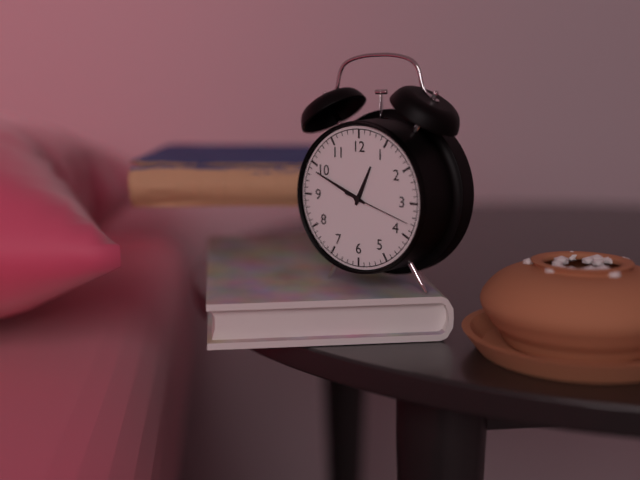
12:49:18
